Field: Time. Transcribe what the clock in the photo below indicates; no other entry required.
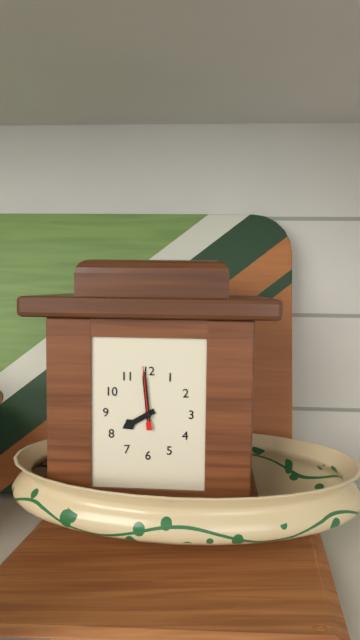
7:59
